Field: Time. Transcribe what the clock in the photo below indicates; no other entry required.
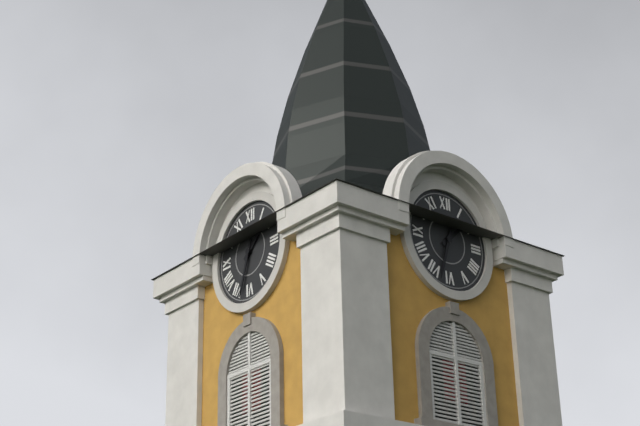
1:33
